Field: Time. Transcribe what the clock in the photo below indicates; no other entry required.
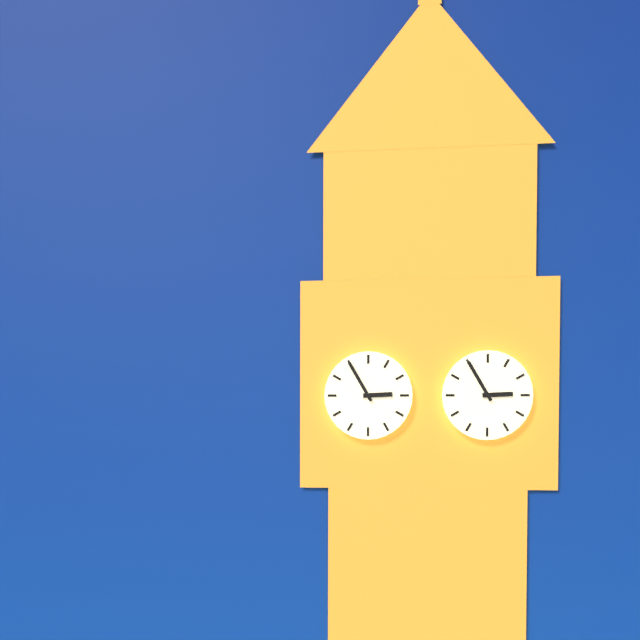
2:55
